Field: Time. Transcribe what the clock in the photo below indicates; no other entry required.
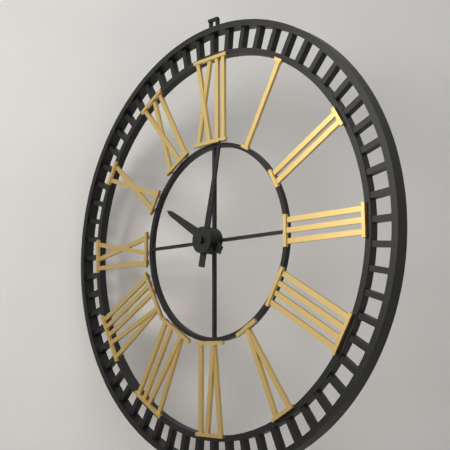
10:02
